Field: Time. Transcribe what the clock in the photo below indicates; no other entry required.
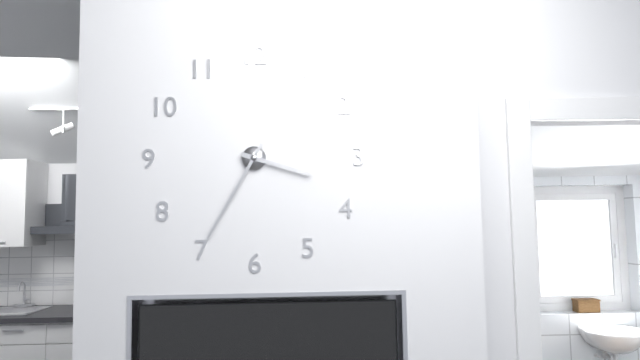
3:35
